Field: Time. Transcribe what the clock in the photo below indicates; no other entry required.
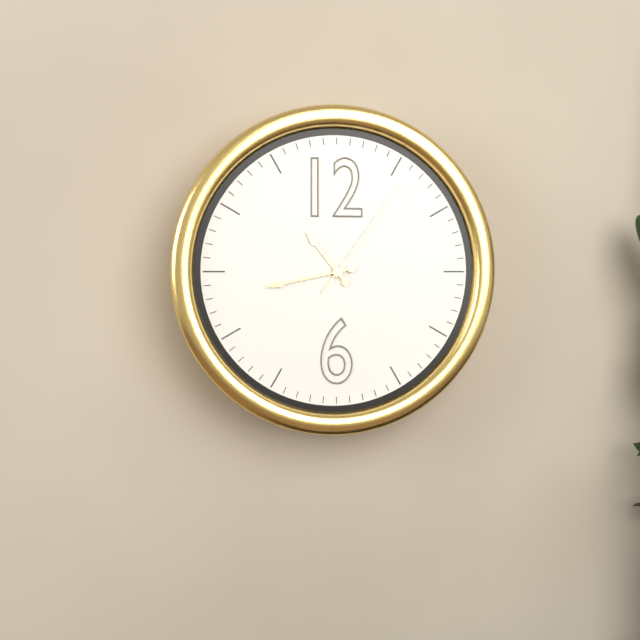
10:43:06
